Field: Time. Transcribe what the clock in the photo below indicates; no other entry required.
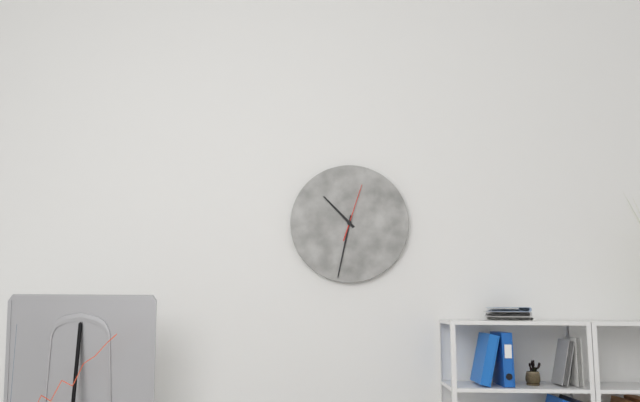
10:32:03
